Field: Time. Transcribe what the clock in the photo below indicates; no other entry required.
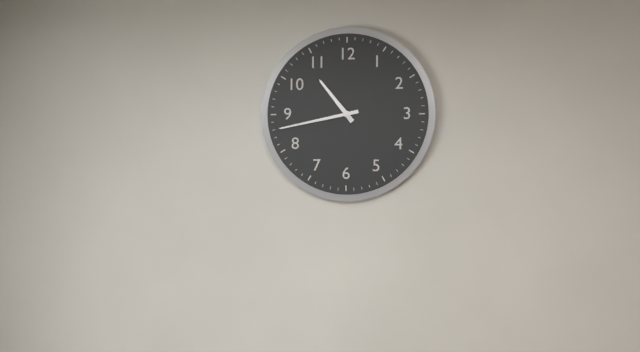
10:43
